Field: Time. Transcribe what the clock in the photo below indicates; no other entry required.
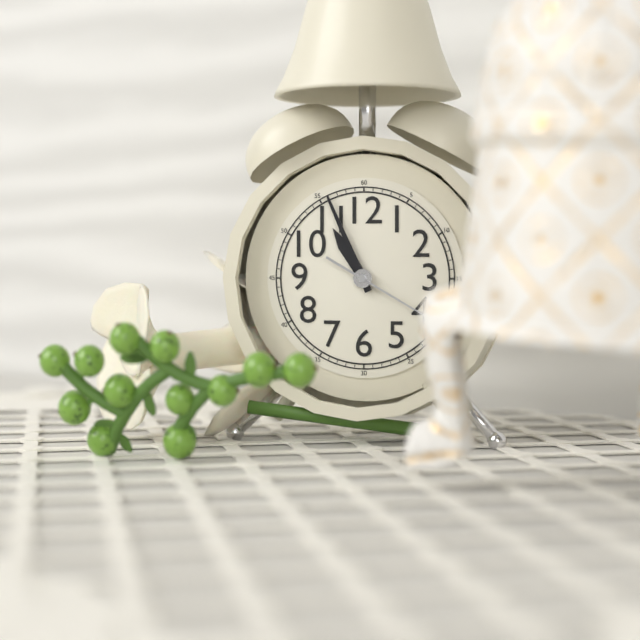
10:56:20
